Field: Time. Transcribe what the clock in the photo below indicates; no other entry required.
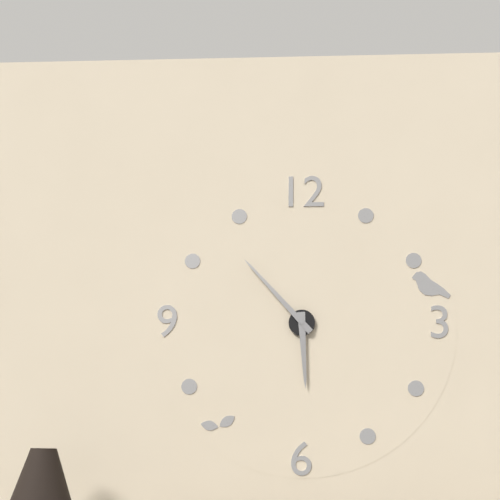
5:53
